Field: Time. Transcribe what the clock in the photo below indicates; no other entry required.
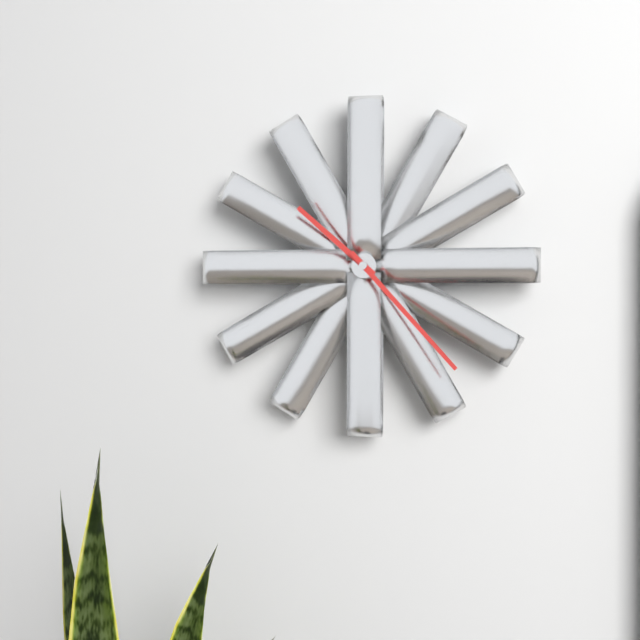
10:23
